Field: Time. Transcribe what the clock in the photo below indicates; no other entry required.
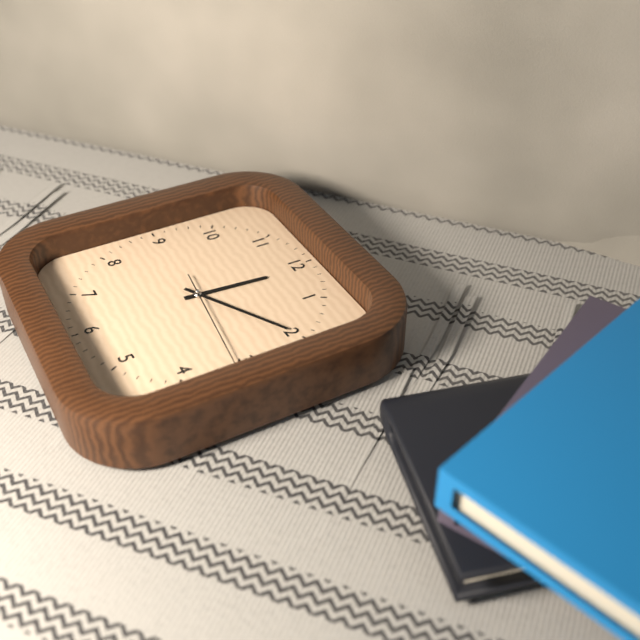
12:10:16
